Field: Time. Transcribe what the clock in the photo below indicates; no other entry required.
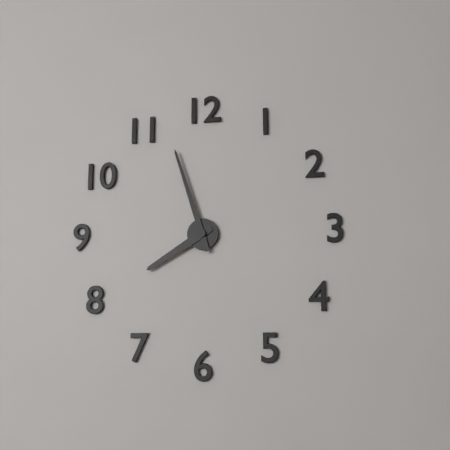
7:57
